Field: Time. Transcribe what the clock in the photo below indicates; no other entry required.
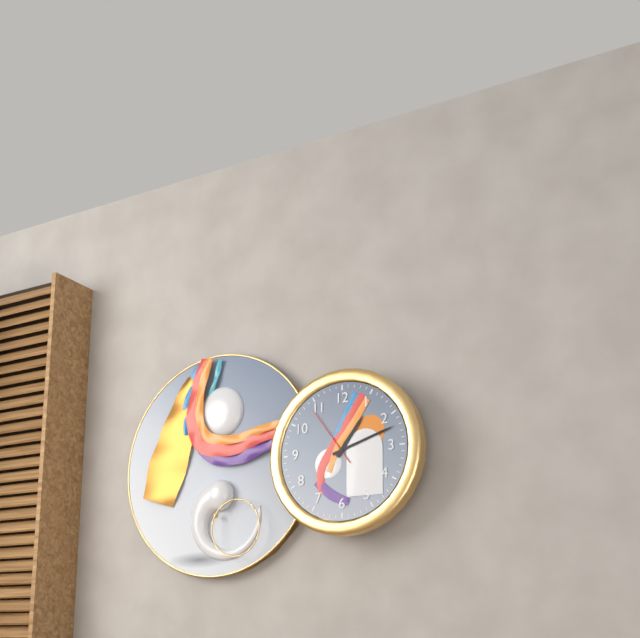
1:12:54
